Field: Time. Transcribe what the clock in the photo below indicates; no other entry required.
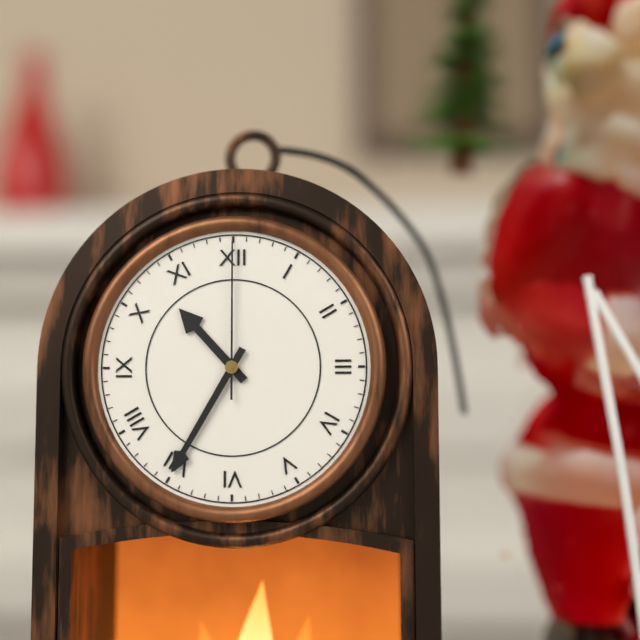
10:35:00
